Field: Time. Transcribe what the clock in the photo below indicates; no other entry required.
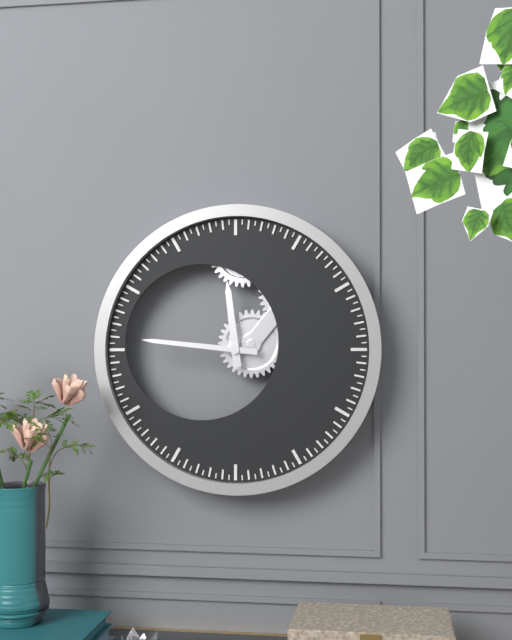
11:46
